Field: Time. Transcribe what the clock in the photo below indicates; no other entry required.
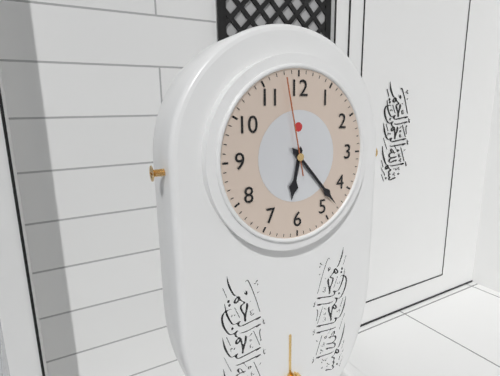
6:23:58
